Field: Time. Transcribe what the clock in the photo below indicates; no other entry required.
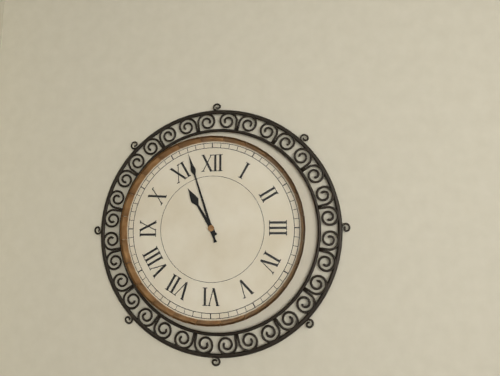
10:57
